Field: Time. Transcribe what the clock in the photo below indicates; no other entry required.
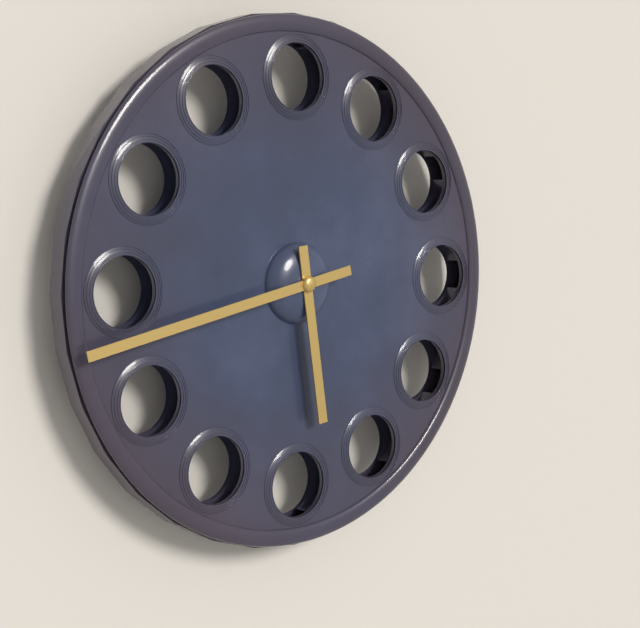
5:43
